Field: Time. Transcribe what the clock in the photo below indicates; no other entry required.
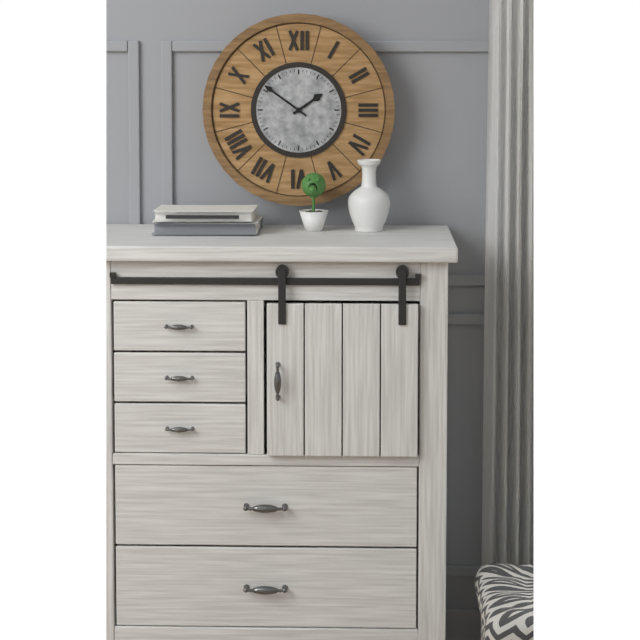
1:51
